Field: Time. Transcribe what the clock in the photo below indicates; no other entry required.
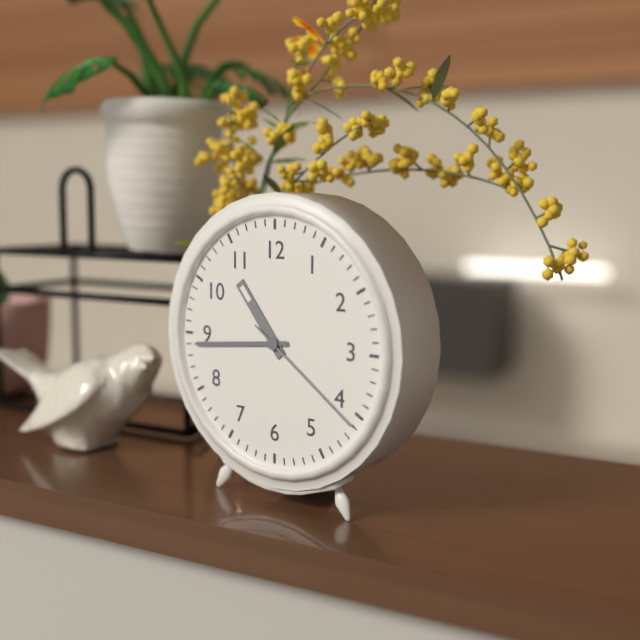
10:44:21
